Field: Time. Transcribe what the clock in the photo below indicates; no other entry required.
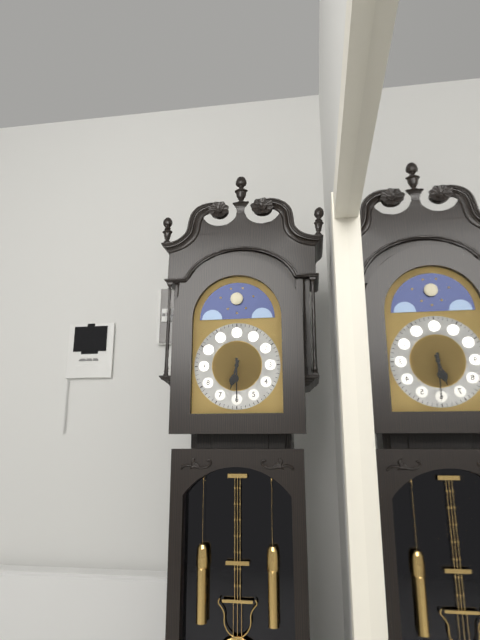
6:30
